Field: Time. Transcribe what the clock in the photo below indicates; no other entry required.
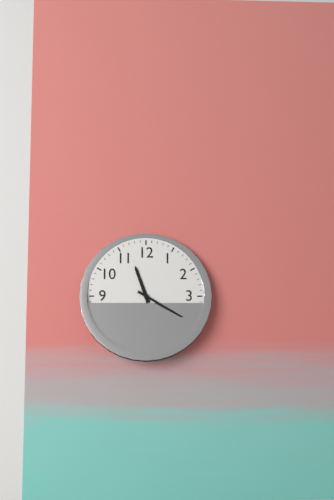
11:20
